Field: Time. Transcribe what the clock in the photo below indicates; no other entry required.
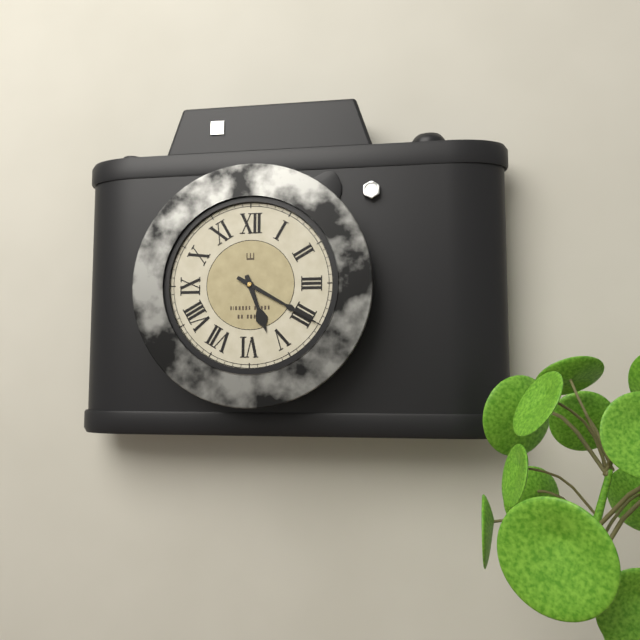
5:20
